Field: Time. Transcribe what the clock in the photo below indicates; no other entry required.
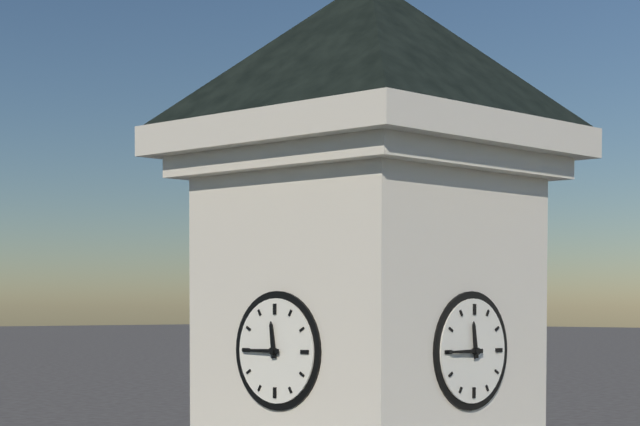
11:45
